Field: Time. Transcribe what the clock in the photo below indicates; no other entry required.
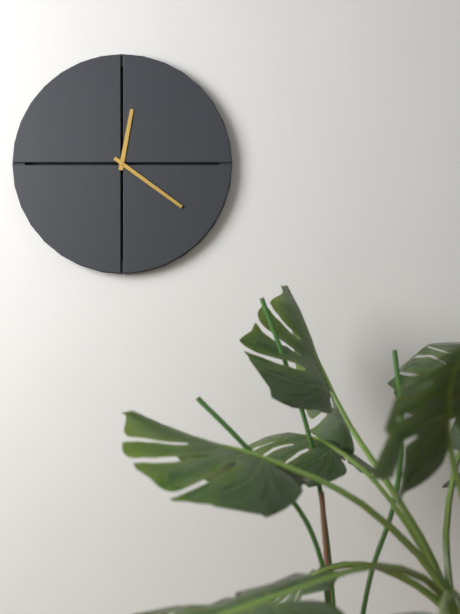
12:21
